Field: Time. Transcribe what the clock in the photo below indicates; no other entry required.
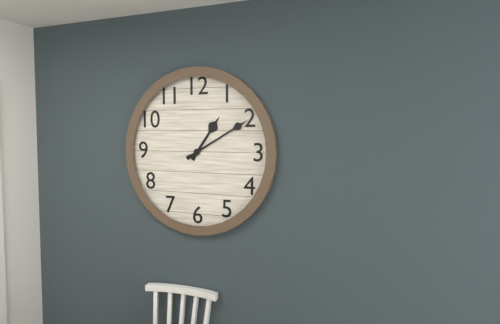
1:10
